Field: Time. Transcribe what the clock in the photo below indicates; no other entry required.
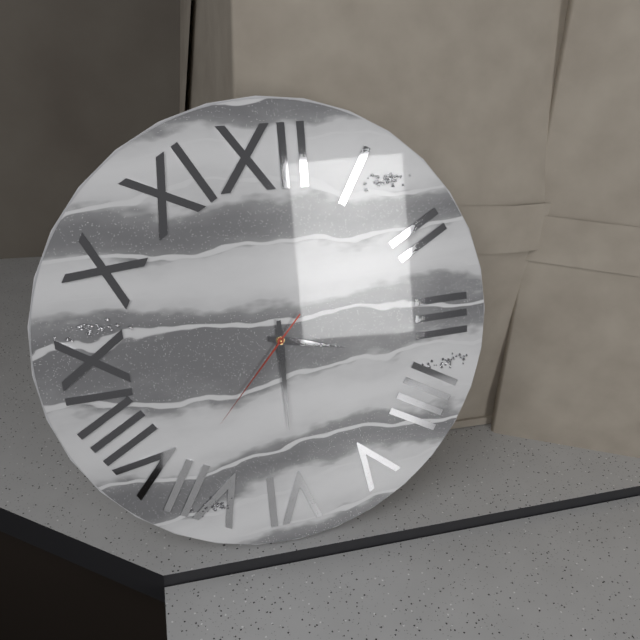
3:30:37
